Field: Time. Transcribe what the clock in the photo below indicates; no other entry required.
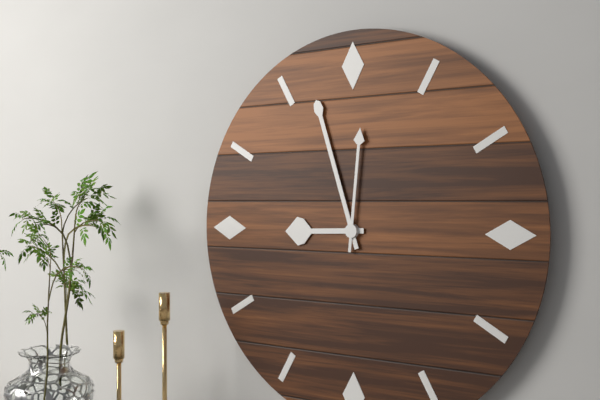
8:57:01
